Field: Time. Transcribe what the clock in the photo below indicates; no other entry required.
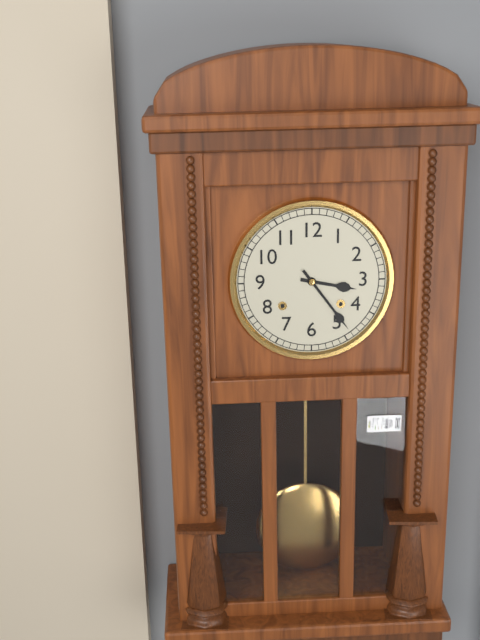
3:24
